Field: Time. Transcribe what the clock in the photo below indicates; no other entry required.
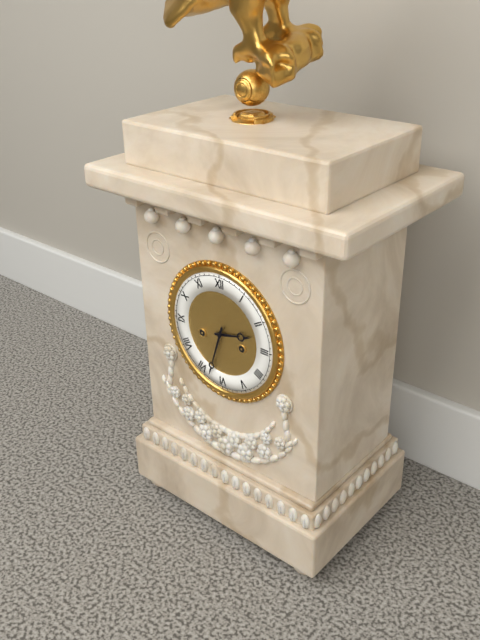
2:33
